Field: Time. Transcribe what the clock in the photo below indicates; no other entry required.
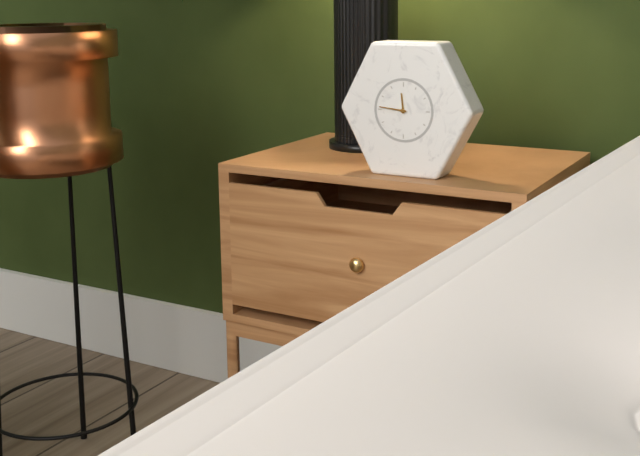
11:46
